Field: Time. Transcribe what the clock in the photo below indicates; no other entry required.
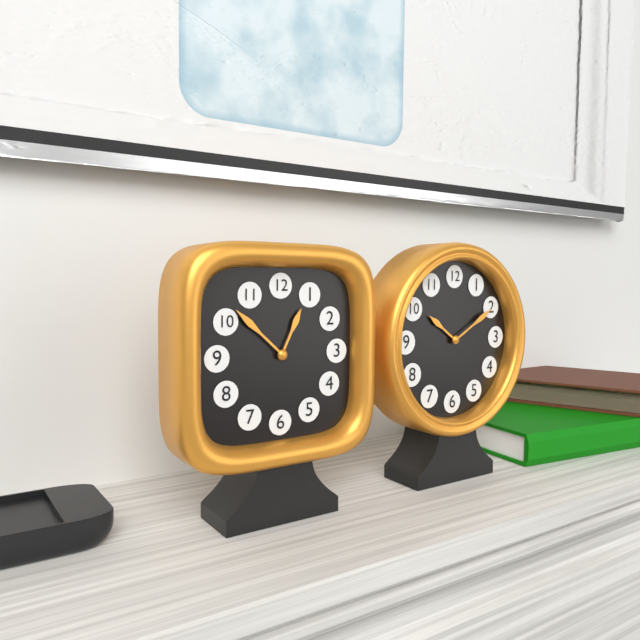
12:52
